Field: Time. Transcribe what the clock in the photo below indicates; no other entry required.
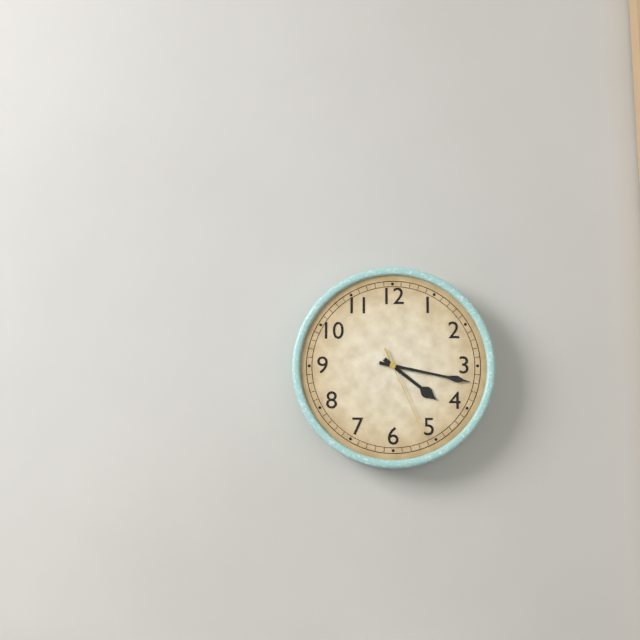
4:17:26
